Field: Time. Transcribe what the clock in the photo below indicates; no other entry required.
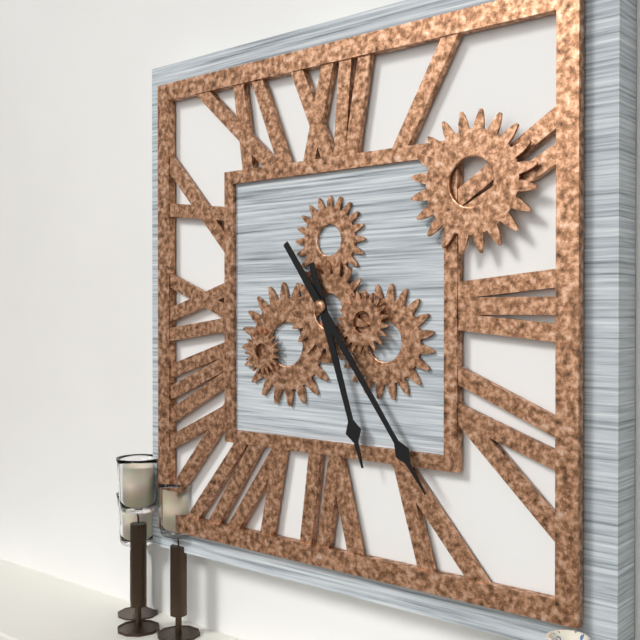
5:24
